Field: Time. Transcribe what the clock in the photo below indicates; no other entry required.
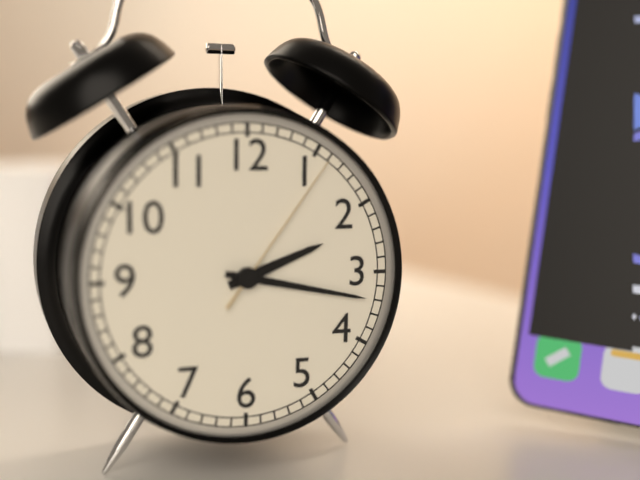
2:17:06
